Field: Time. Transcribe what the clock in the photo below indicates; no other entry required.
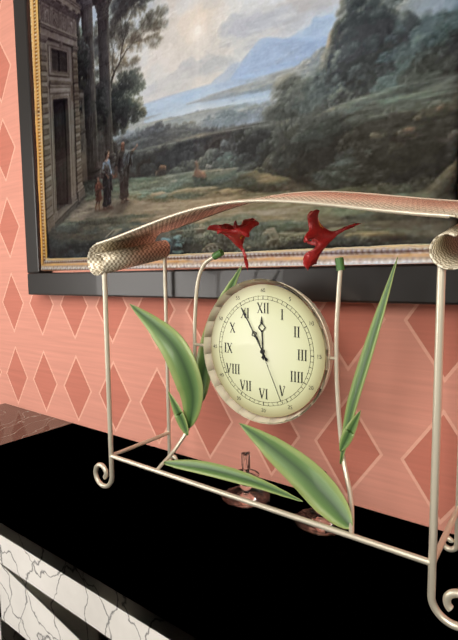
11:55:26
